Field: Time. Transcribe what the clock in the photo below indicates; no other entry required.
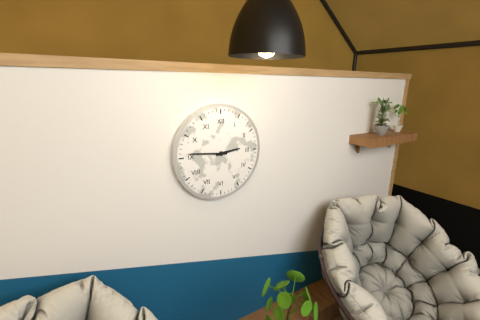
2:46
